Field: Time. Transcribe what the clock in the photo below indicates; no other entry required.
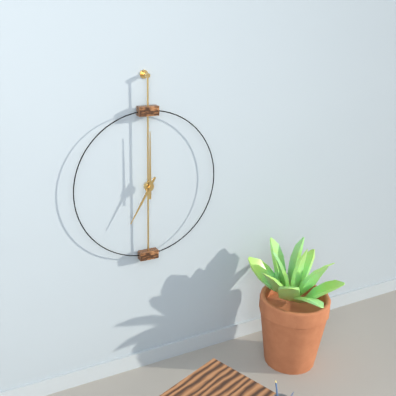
7:00
